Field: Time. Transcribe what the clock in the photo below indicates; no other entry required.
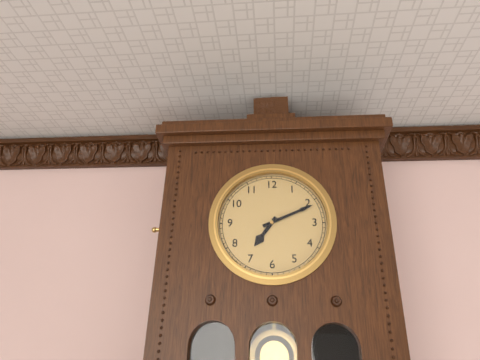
7:11
